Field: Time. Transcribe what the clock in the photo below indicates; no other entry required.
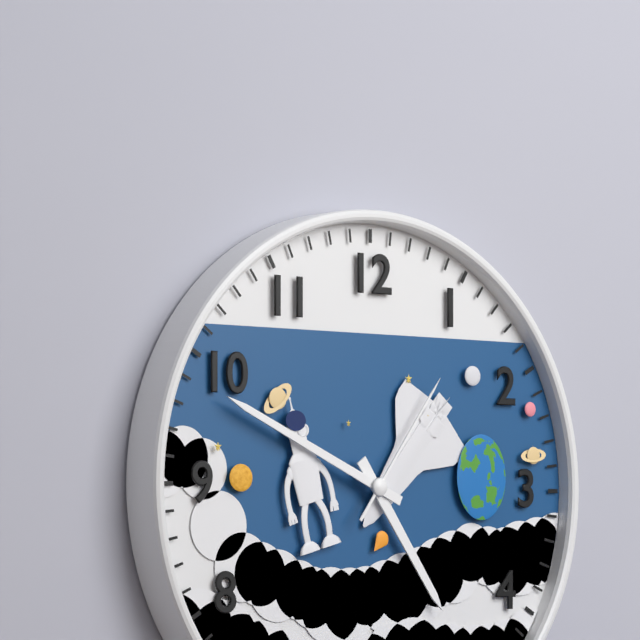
4:49:06
